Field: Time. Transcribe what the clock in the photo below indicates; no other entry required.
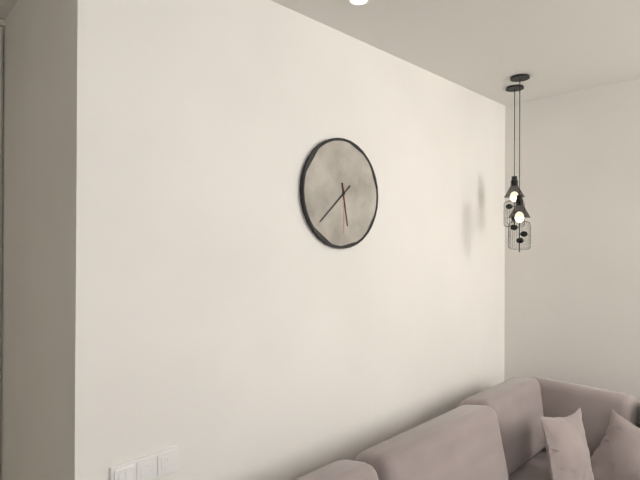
5:38:30
